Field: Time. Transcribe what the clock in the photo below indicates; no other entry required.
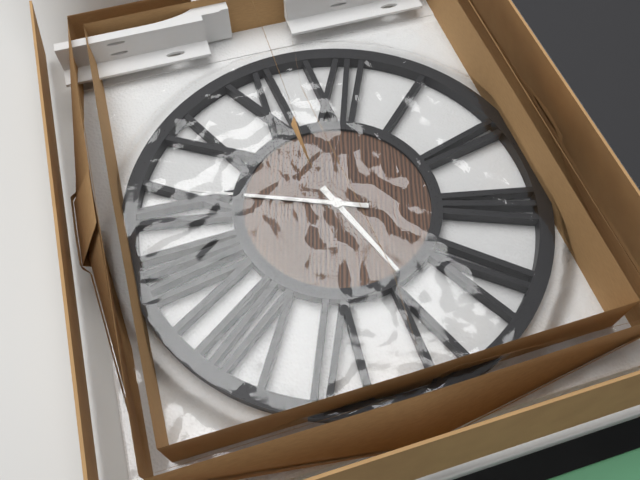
4:46
